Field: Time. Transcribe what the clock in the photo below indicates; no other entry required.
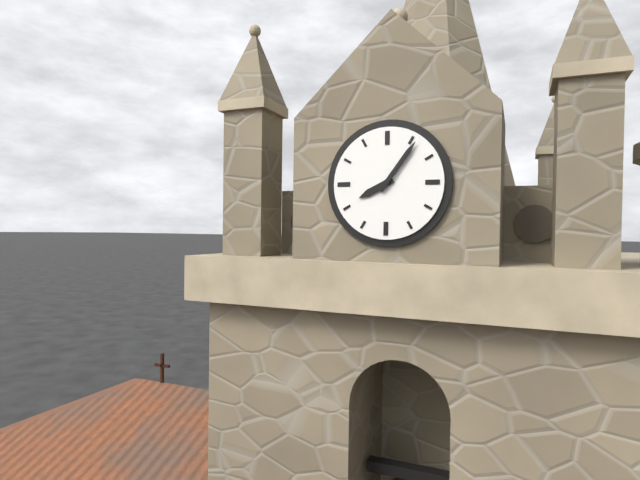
8:06
